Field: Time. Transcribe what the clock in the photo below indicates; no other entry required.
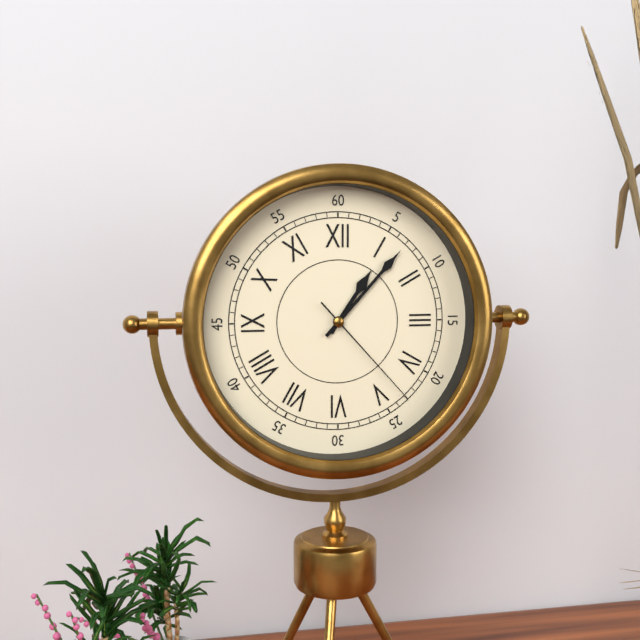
1:07:23
